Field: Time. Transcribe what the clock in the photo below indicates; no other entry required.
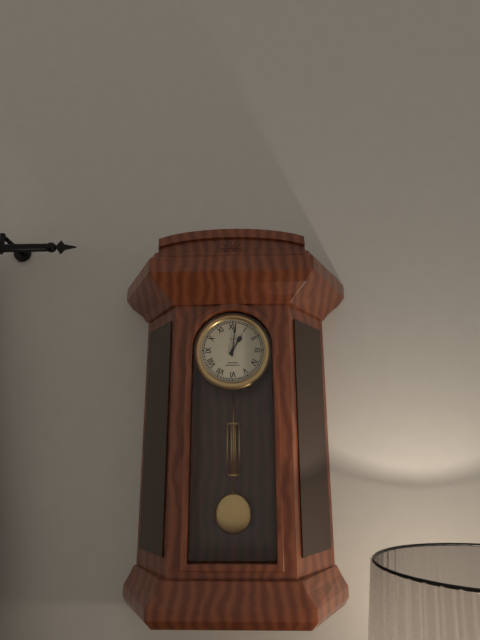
1:01
